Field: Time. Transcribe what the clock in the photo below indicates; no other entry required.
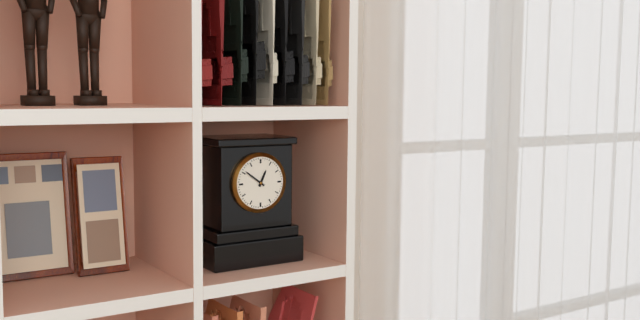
12:51
